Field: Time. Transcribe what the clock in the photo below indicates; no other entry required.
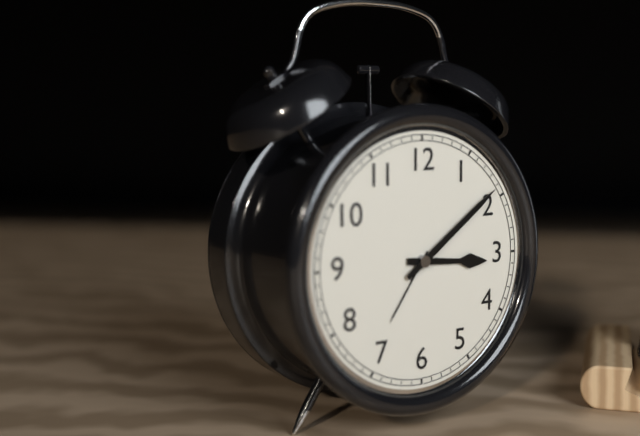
3:09
